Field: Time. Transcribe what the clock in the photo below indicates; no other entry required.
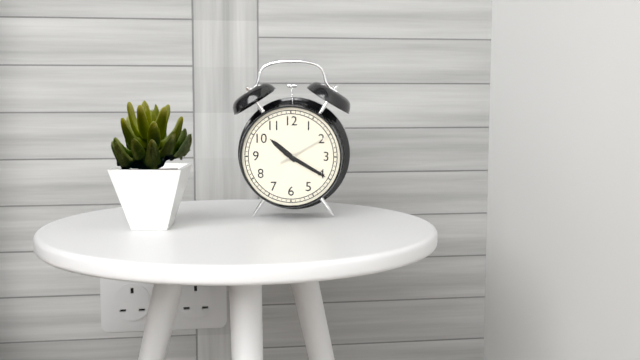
10:20:10
